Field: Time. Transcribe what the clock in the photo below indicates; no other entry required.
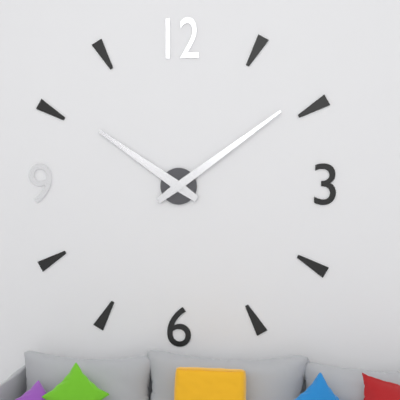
10:09
